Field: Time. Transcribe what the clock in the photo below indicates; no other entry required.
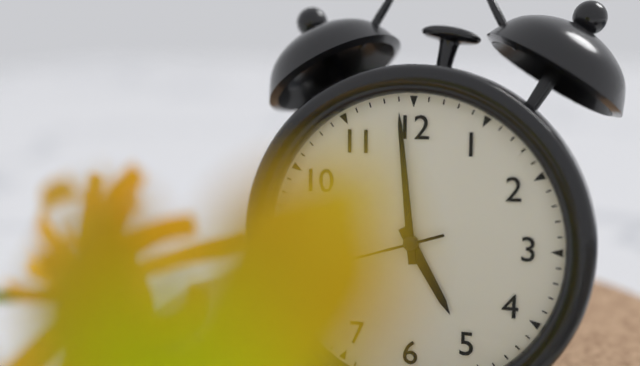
4:59
